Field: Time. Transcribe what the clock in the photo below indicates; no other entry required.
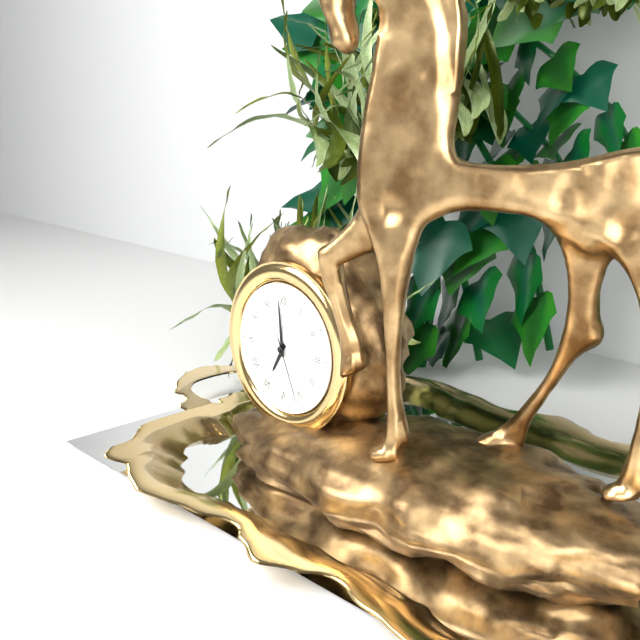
6:59:26
